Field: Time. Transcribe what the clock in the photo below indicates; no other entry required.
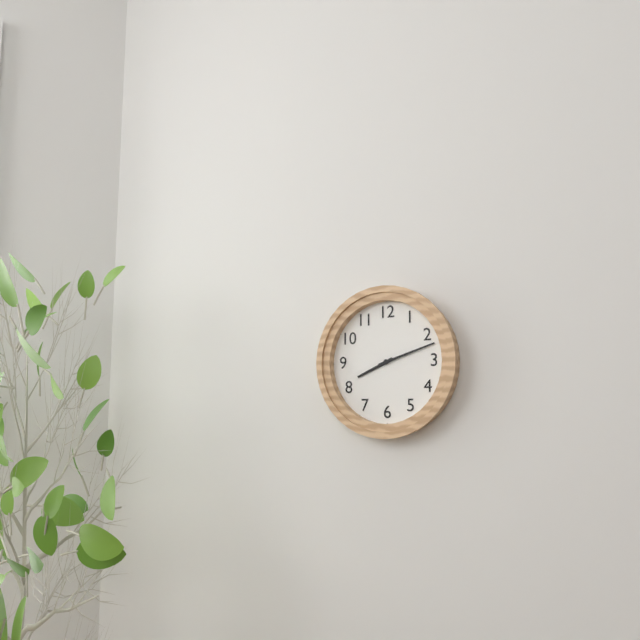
8:12
